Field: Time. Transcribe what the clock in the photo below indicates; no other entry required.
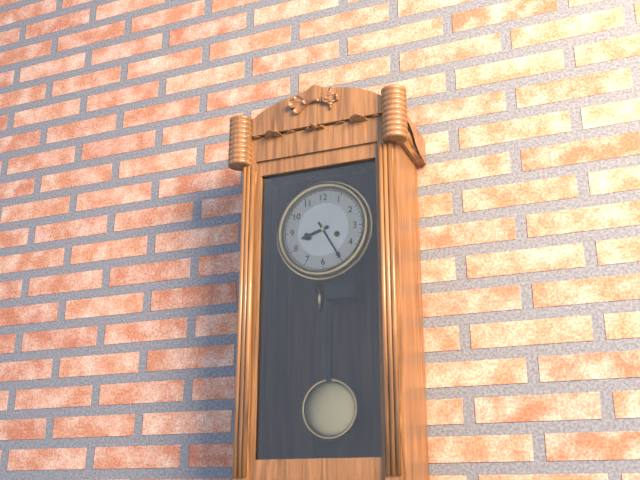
8:25
